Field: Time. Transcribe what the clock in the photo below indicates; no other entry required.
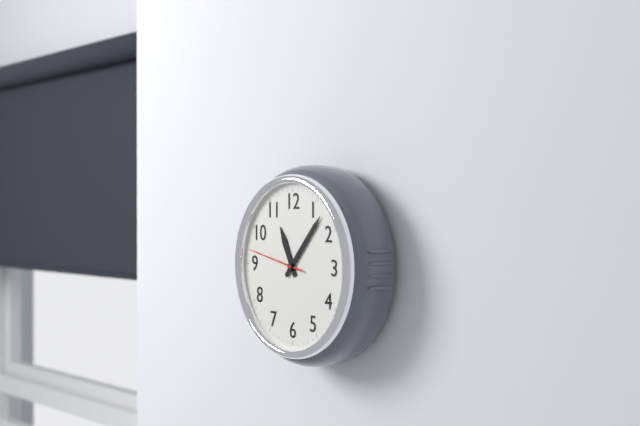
11:07:47
